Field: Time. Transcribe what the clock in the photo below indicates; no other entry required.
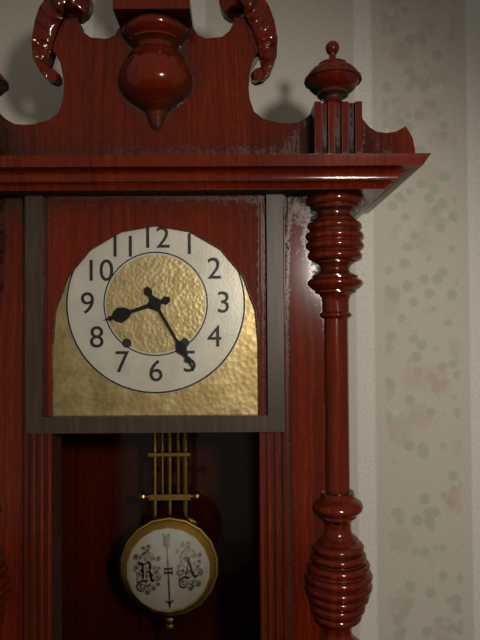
8:25
